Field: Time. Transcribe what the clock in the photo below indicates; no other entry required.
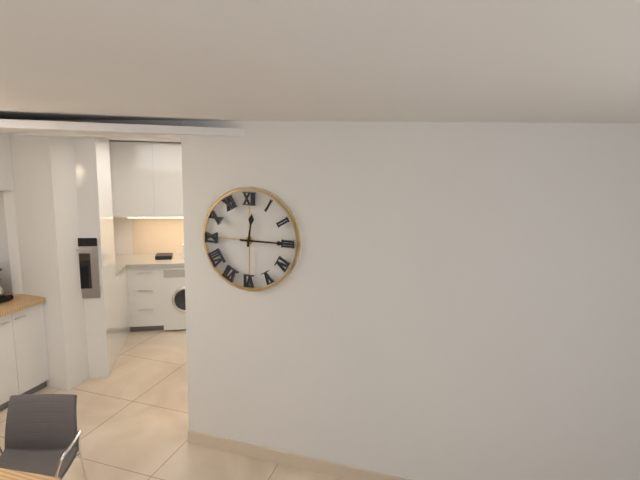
12:15
